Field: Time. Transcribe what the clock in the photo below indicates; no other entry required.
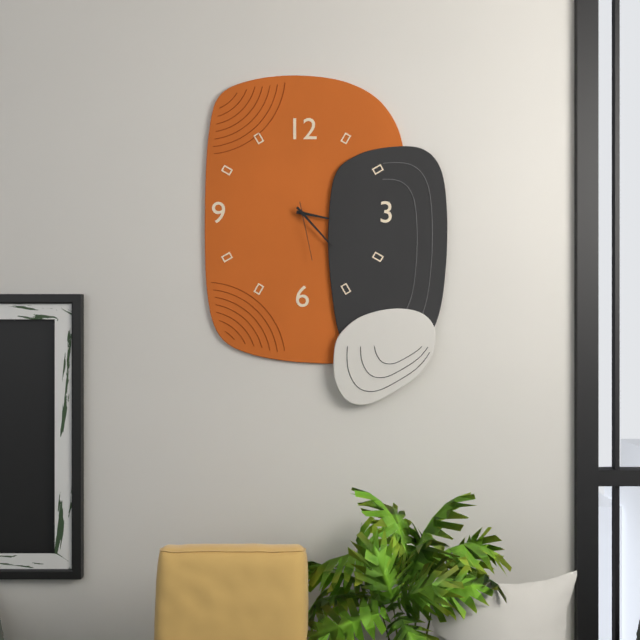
3:23:28
